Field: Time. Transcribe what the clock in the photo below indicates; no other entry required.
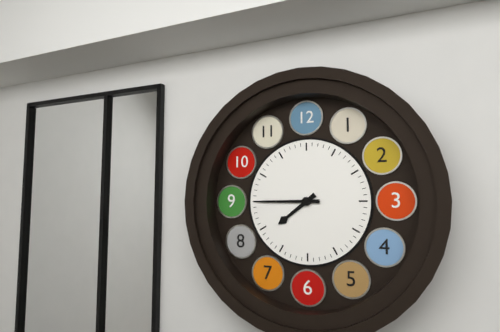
7:45
